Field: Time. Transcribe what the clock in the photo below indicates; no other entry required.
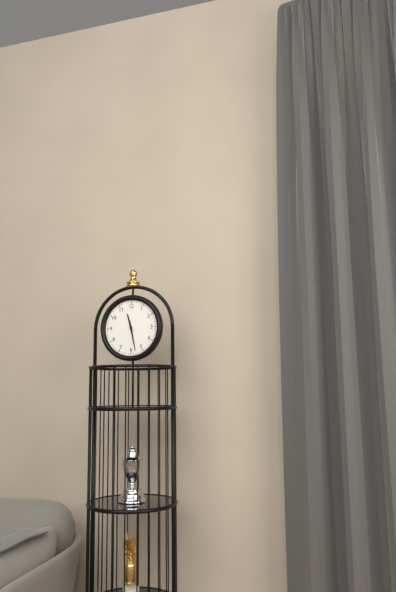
11:28
